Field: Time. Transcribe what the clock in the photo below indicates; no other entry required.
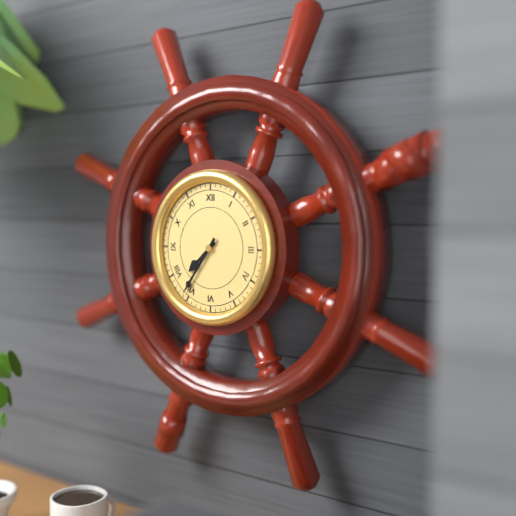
7:36
